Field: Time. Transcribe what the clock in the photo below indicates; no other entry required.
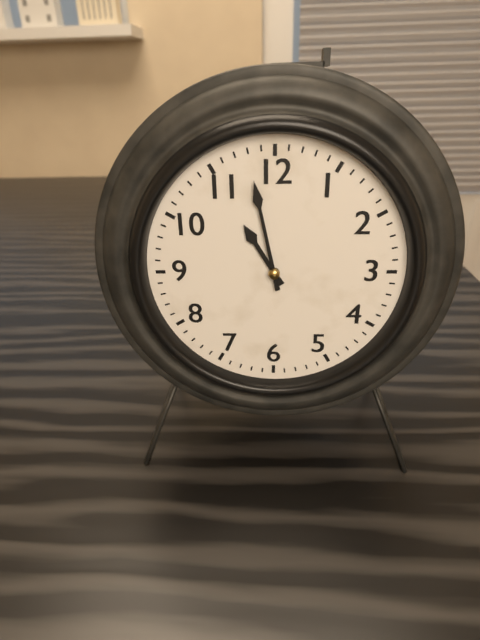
10:58
